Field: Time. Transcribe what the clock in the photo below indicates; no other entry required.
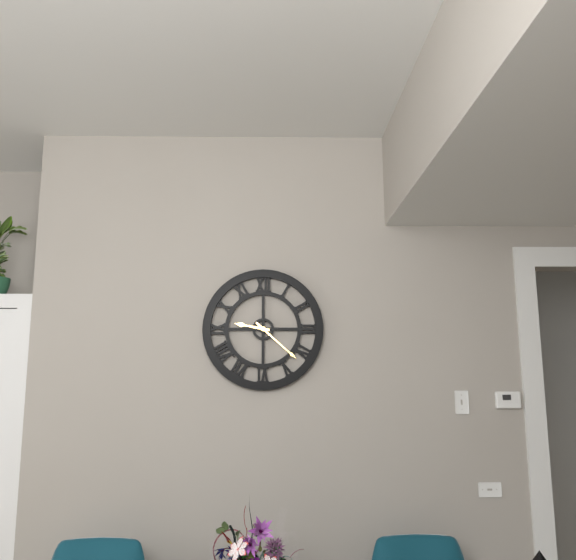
9:22
